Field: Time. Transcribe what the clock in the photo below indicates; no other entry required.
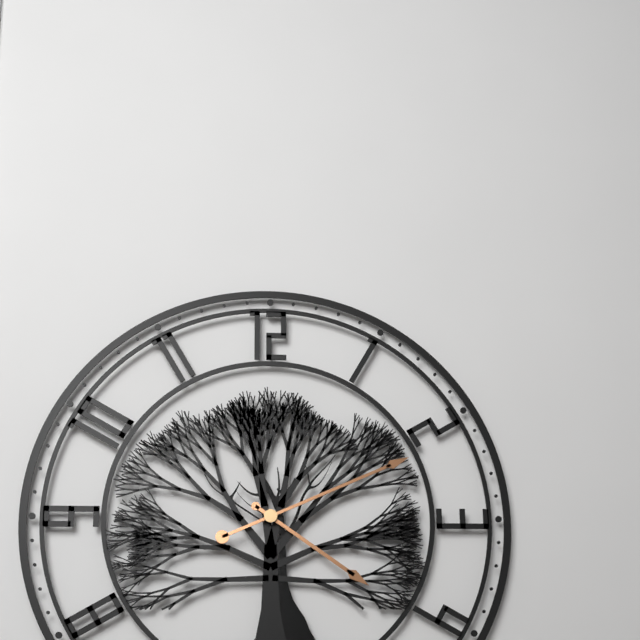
4:11
